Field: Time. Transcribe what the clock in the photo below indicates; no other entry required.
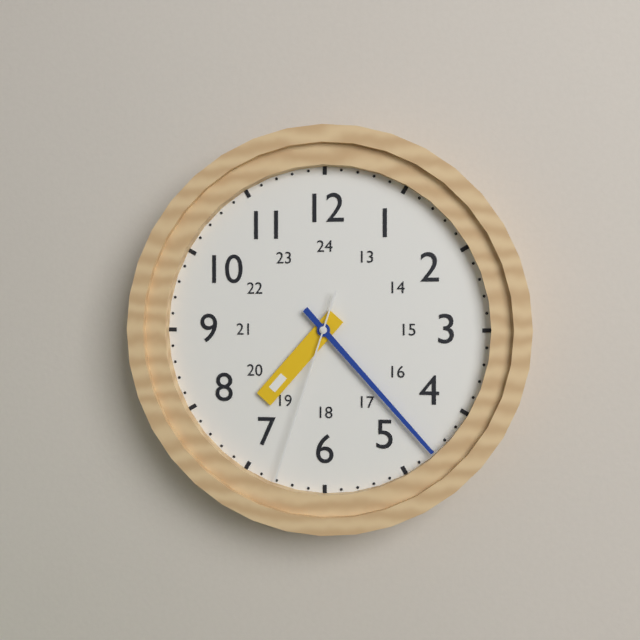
7:23:33
